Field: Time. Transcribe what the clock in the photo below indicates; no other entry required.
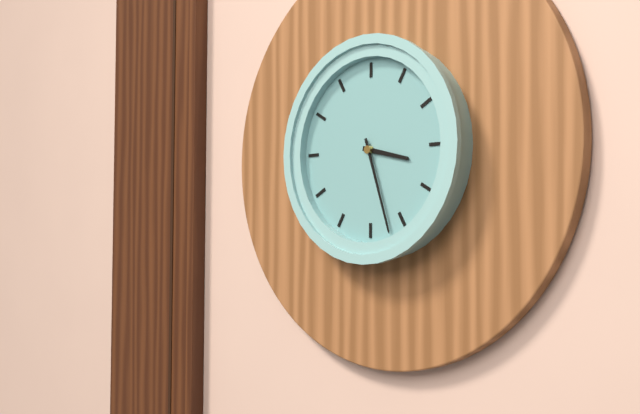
3:27
